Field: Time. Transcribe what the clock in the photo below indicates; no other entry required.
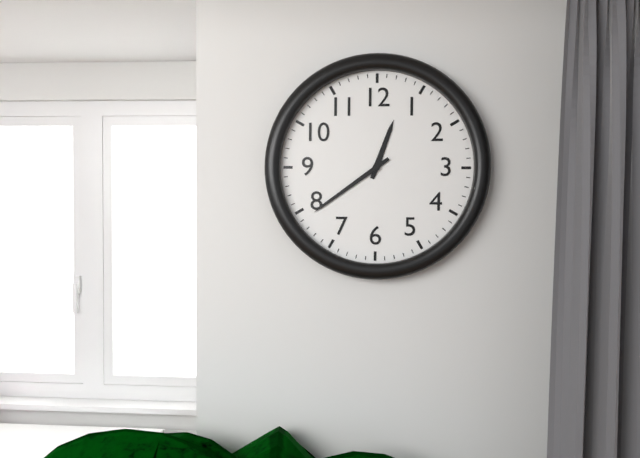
12:39
